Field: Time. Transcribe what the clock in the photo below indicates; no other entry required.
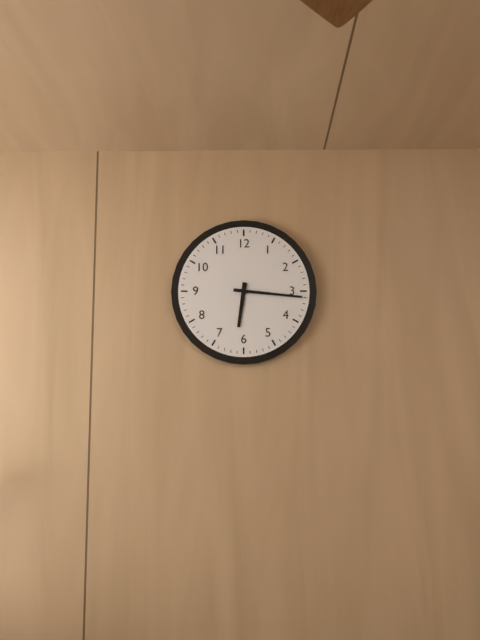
6:16
